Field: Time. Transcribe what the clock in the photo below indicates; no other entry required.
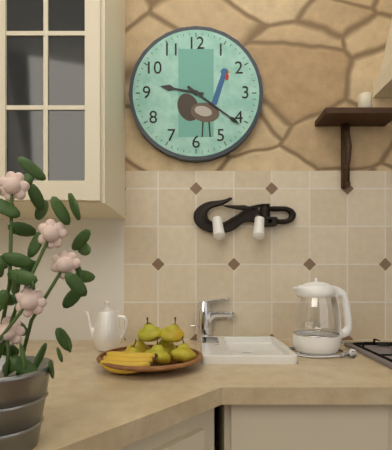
9:21
